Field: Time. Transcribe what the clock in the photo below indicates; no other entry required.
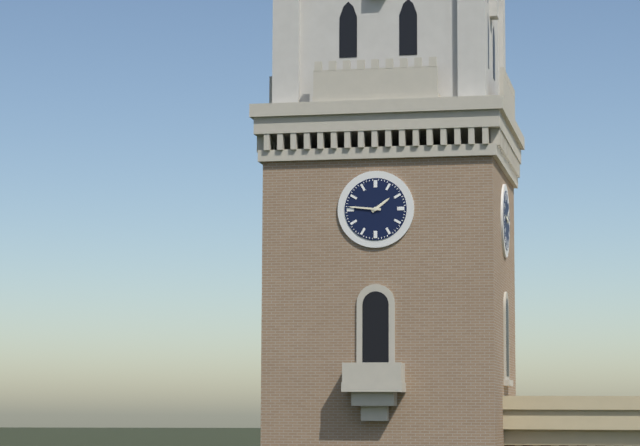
1:46
